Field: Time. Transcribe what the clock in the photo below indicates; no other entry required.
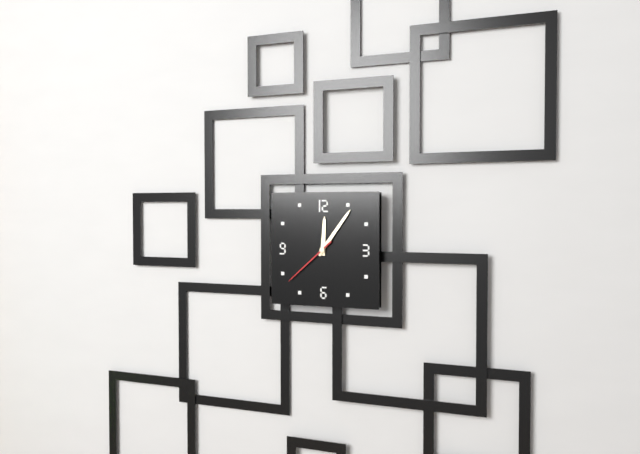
12:06:38
